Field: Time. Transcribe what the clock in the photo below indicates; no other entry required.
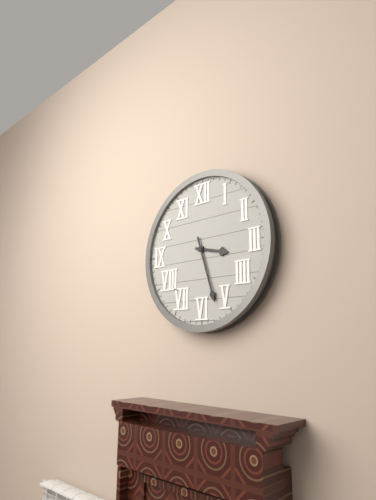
3:27
